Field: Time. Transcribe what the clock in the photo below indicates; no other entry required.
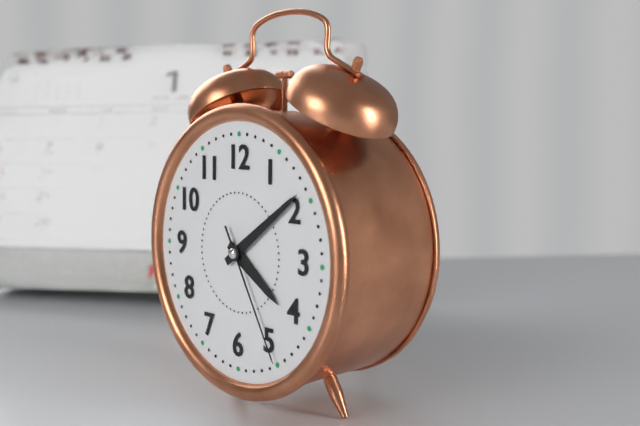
4:09:25
